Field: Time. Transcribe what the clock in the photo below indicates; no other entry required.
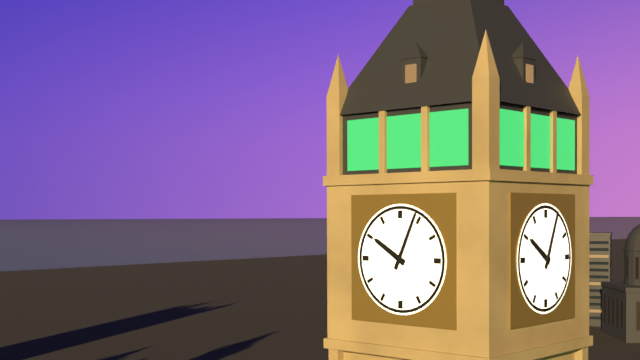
10:04
